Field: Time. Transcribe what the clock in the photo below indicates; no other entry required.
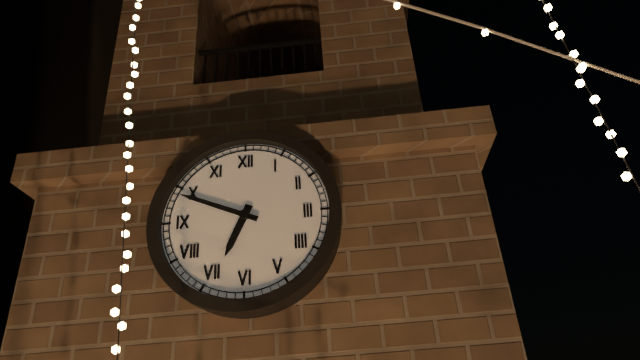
6:49
